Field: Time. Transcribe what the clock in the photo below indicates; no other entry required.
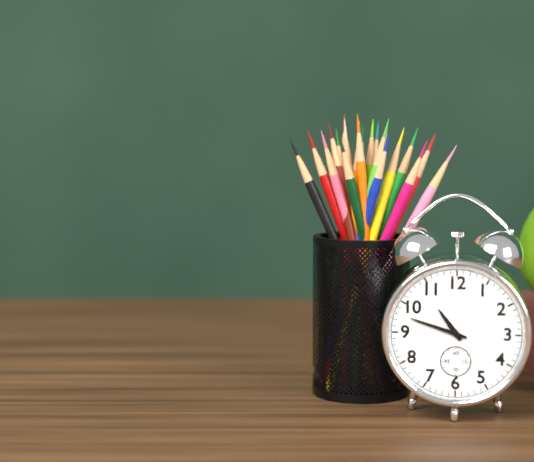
10:48
